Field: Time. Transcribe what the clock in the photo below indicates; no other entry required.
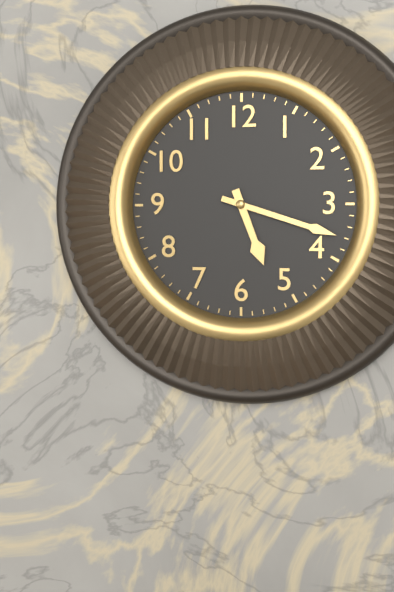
5:18
